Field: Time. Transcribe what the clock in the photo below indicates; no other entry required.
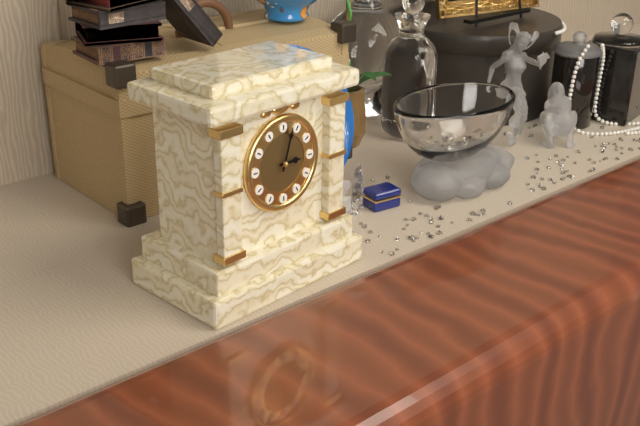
3:03
